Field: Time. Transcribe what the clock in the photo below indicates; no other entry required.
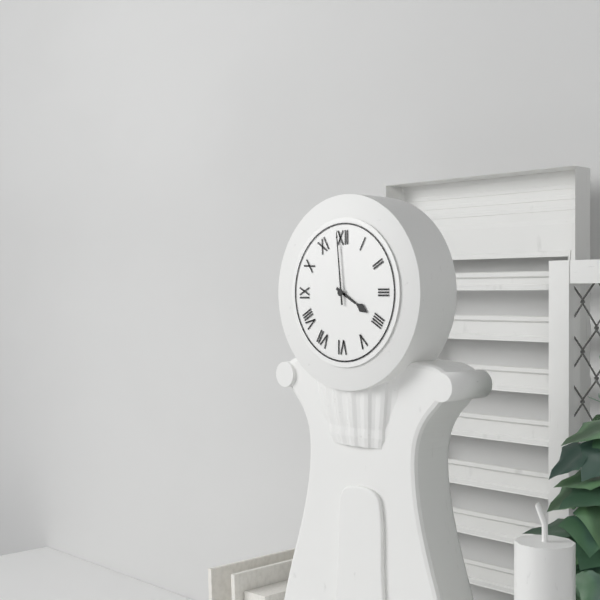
3:59
